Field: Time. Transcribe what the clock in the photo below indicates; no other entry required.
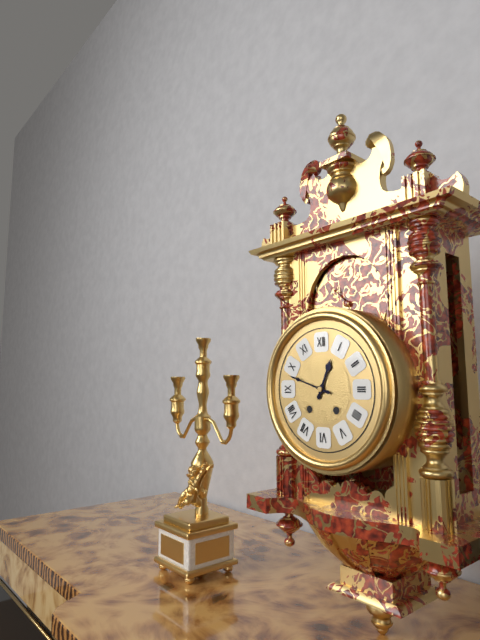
12:48
